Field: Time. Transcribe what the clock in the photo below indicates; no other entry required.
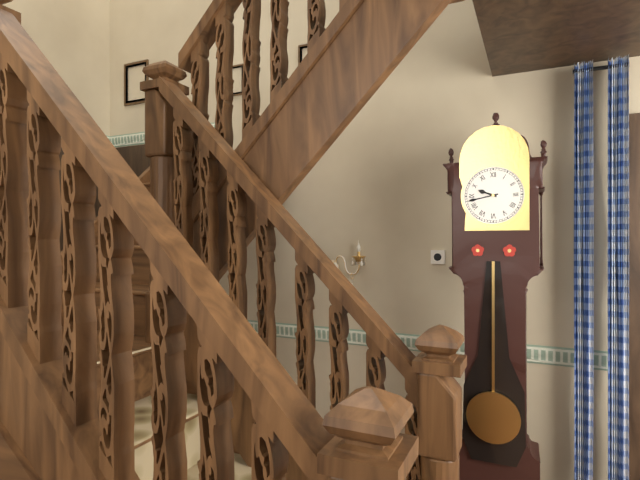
9:43
